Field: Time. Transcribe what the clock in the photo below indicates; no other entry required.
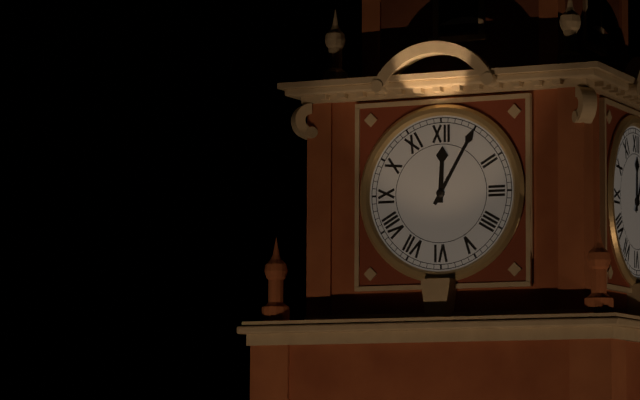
12:05
